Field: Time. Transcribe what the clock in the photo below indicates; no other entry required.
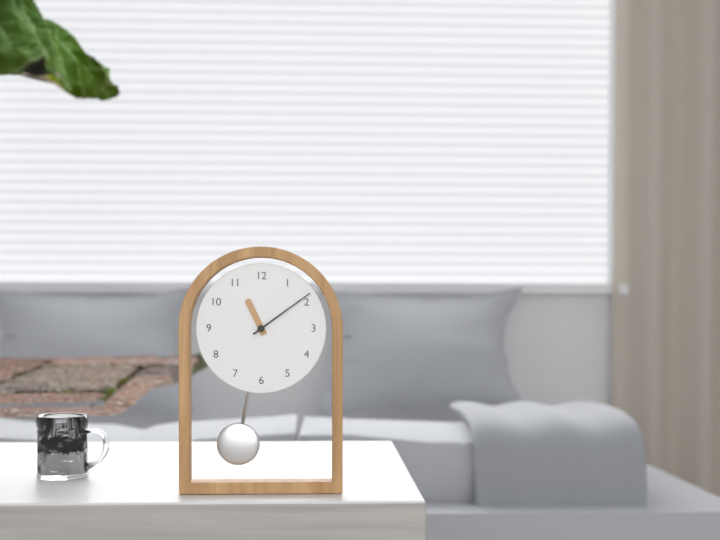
11:09
